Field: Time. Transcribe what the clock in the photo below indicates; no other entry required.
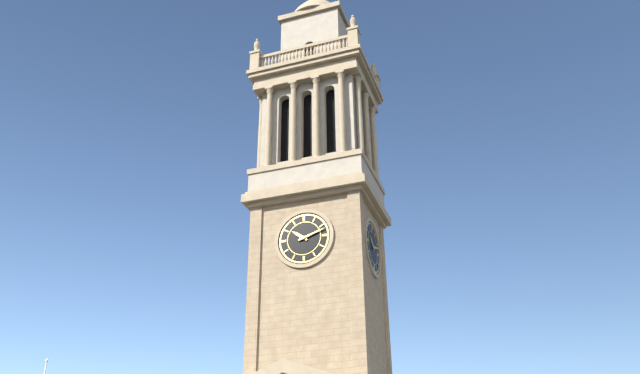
10:12
